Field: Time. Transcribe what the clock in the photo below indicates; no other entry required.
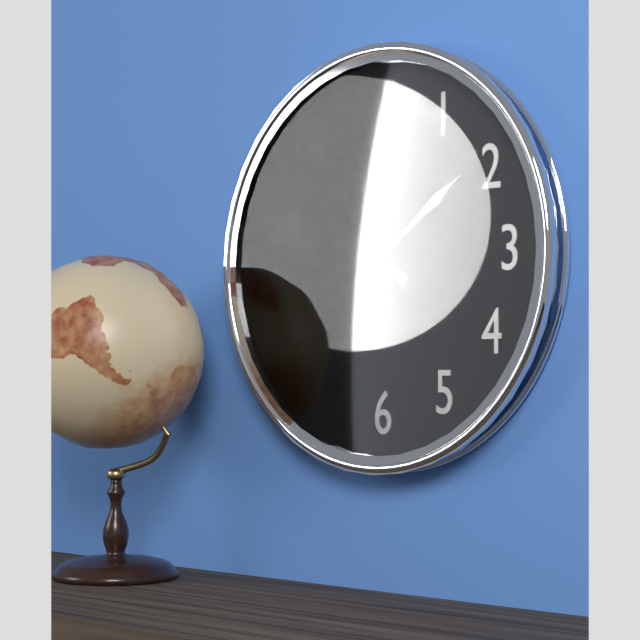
10:09
